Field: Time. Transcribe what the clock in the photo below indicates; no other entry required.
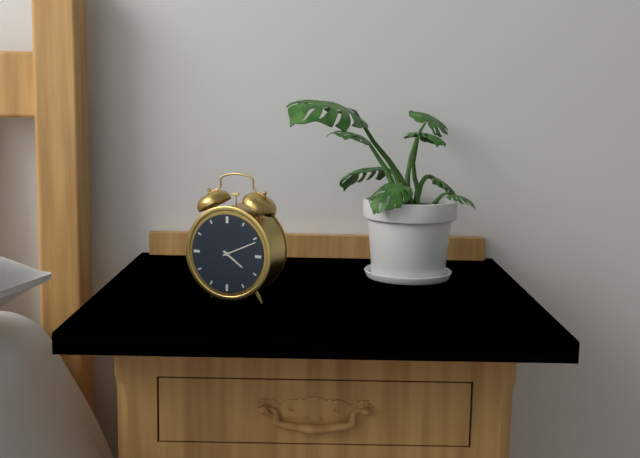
4:11
